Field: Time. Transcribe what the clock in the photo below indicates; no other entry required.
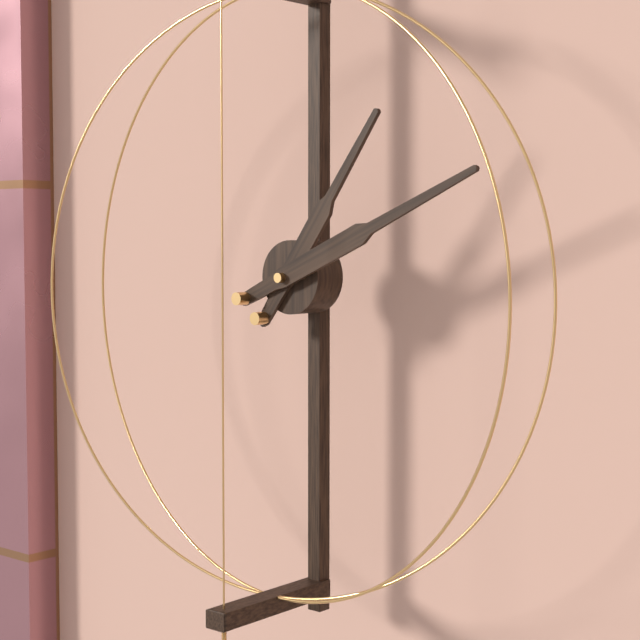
1:11
